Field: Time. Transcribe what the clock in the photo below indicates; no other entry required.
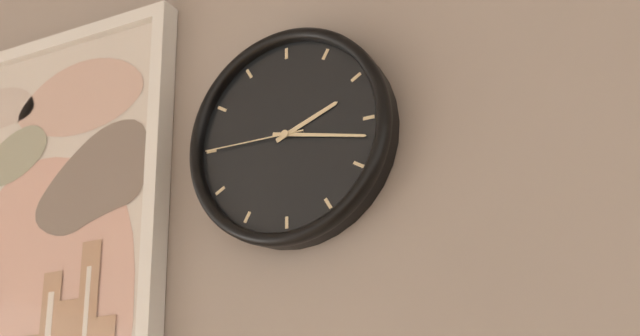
2:17:45
